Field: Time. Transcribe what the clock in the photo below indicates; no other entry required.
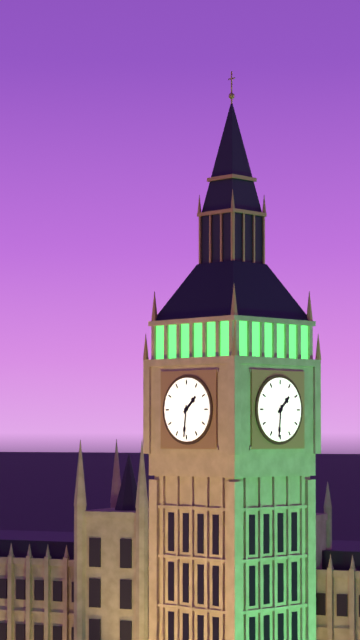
1:31
